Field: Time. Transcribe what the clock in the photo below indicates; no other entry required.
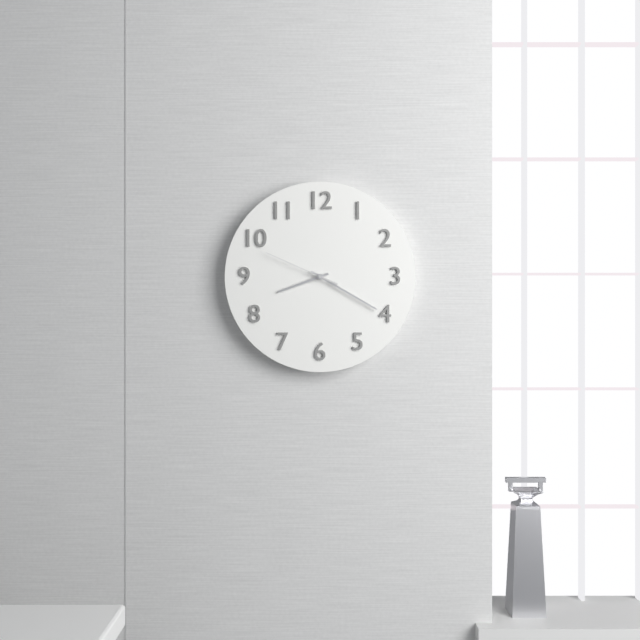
8:20:49
